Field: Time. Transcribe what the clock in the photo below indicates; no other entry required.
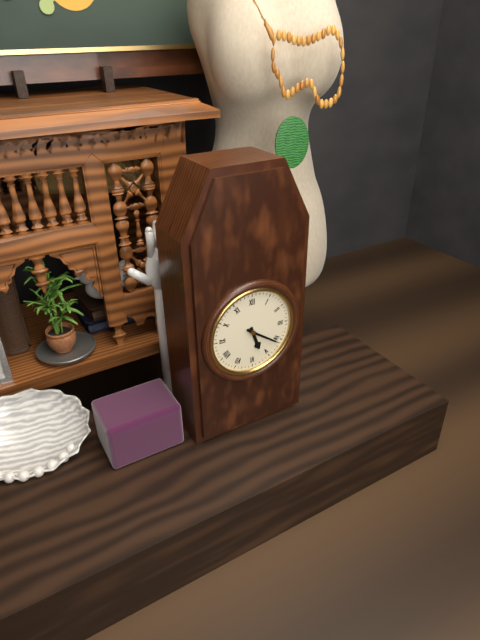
5:21
